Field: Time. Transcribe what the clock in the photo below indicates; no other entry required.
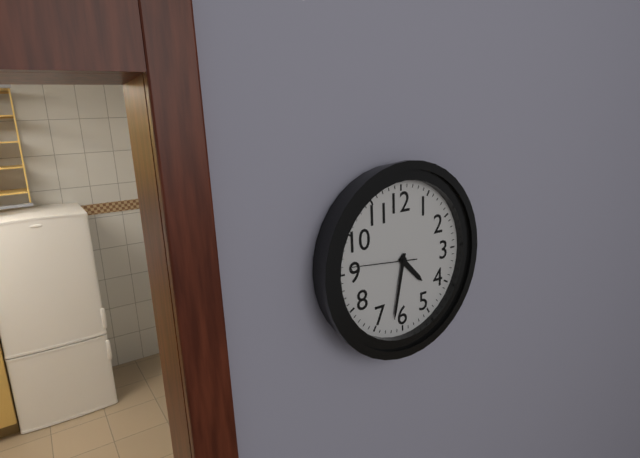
4:32:46
